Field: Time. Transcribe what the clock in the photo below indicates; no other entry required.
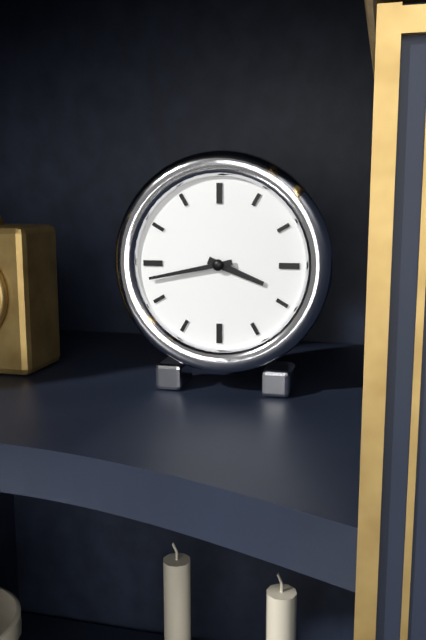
3:43
